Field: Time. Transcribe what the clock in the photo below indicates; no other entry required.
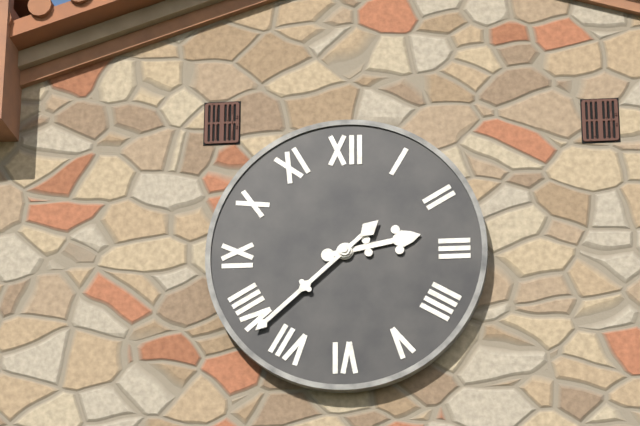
2:38
